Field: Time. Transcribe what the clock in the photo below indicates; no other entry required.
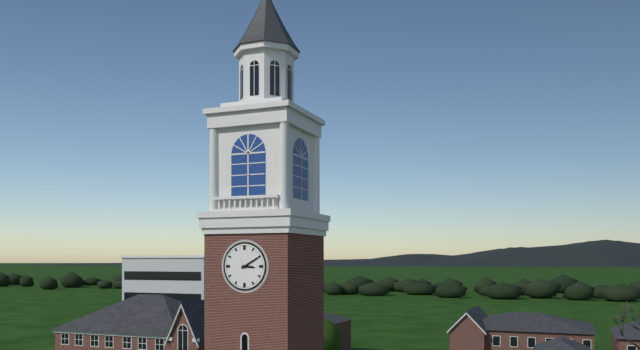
3:10
